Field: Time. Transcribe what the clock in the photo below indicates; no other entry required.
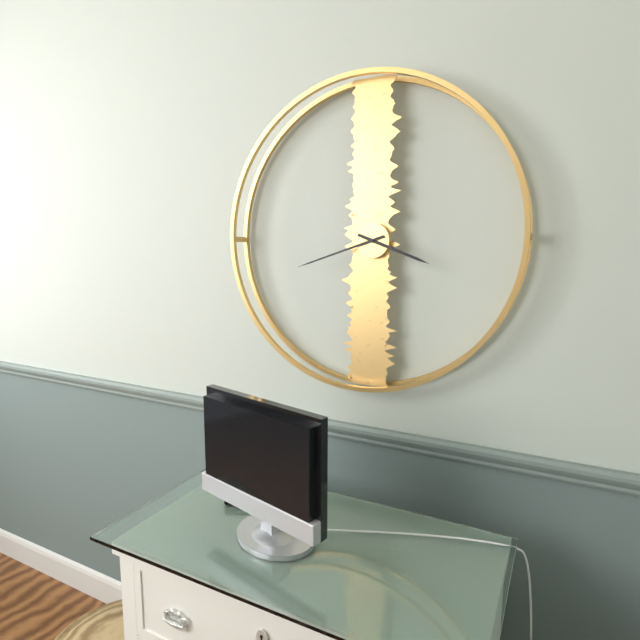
3:42
